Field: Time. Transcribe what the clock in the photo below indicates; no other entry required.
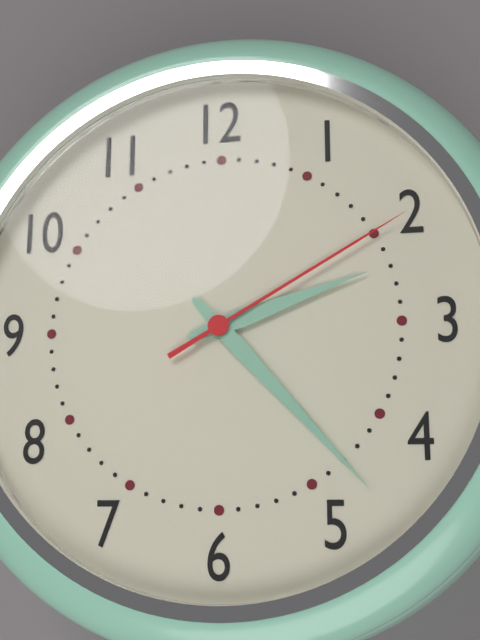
2:23:10
